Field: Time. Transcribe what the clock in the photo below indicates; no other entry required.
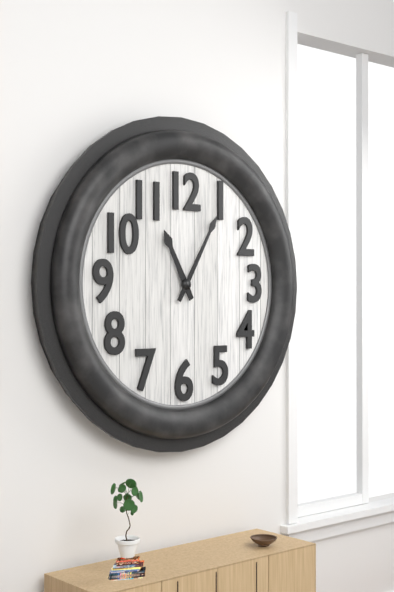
11:05
